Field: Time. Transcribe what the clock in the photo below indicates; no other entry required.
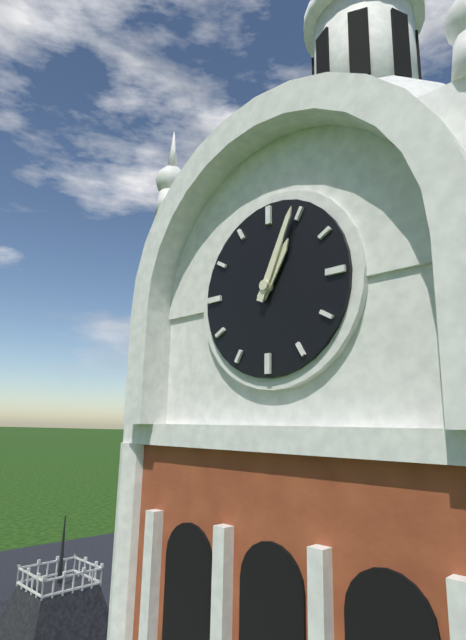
1:04
